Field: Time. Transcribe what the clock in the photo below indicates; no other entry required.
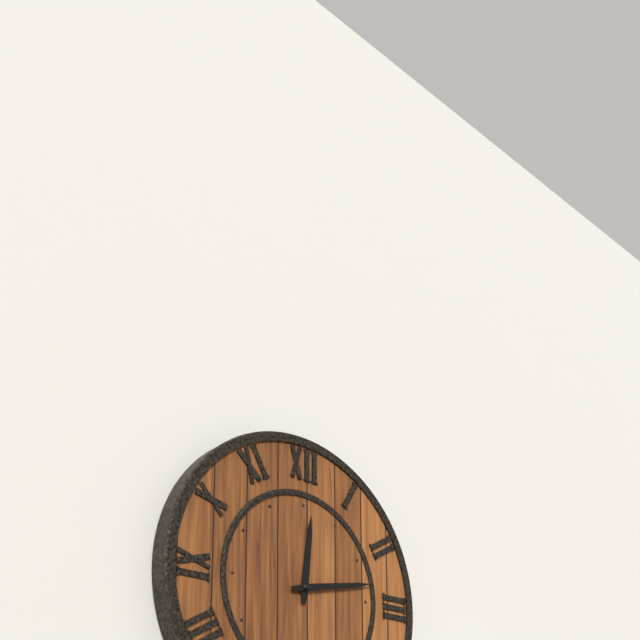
12:13
